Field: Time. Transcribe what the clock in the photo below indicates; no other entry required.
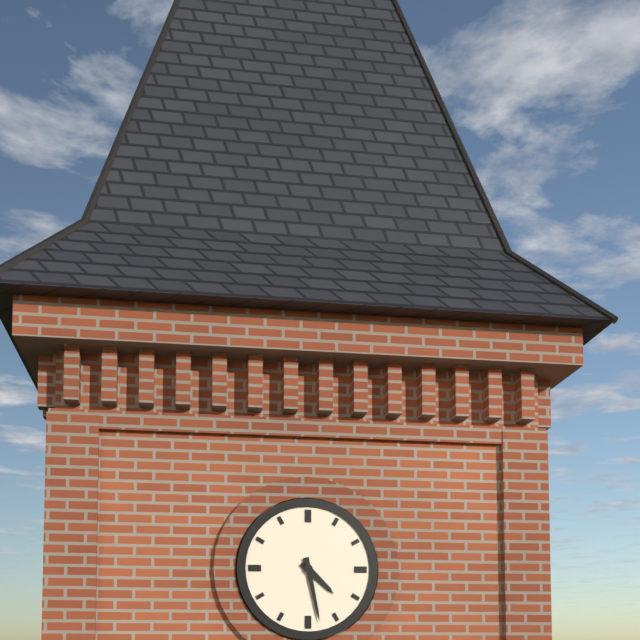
4:28
